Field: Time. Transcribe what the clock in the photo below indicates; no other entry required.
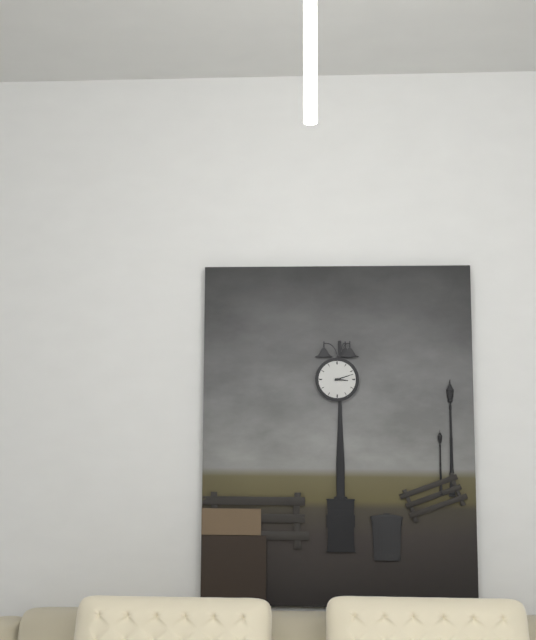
3:12
